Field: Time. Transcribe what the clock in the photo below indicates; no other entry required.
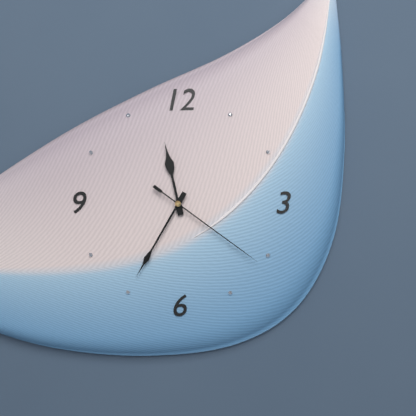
11:35:21
